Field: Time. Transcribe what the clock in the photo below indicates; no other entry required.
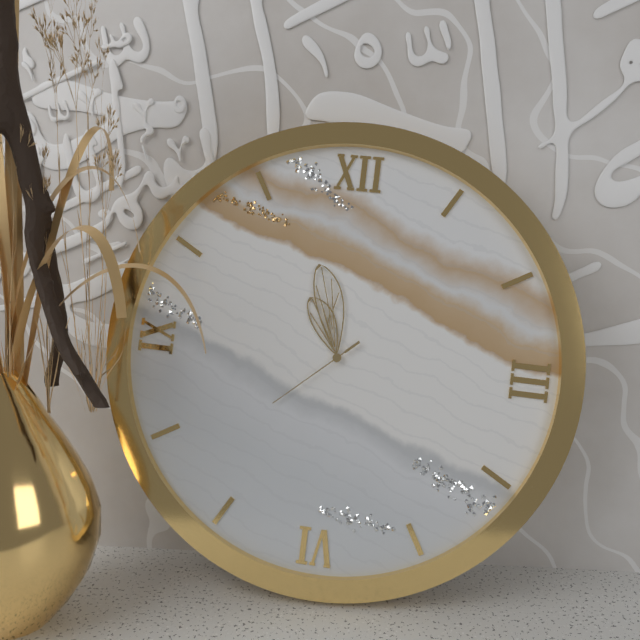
10:57:38
